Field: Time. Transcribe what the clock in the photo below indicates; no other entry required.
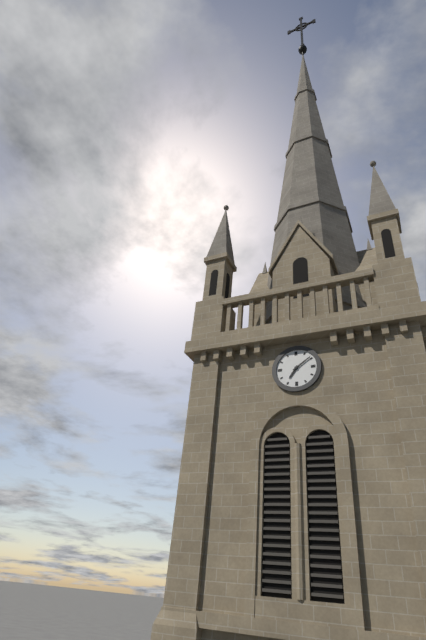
7:09
